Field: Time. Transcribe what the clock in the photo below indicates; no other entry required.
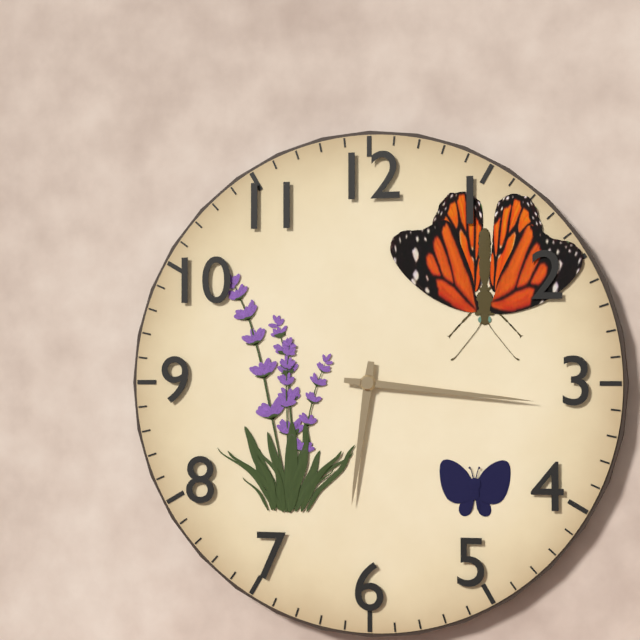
6:16
